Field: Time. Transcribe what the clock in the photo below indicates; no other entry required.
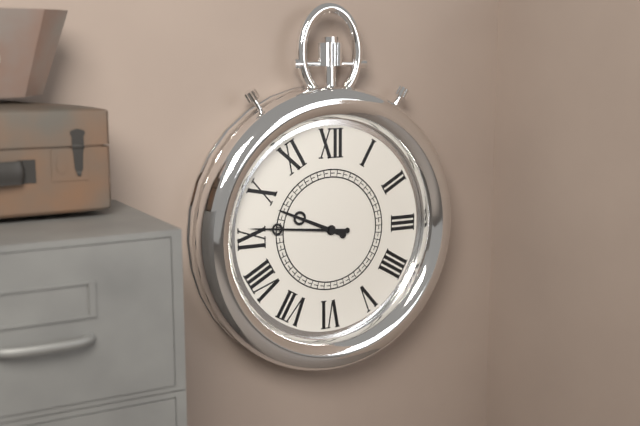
9:46
